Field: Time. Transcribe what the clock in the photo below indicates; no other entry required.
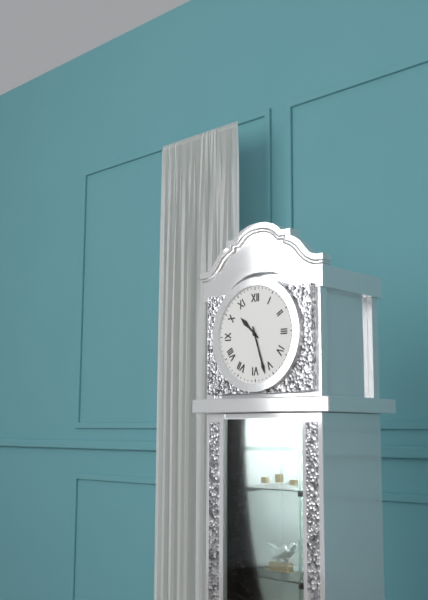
10:27
